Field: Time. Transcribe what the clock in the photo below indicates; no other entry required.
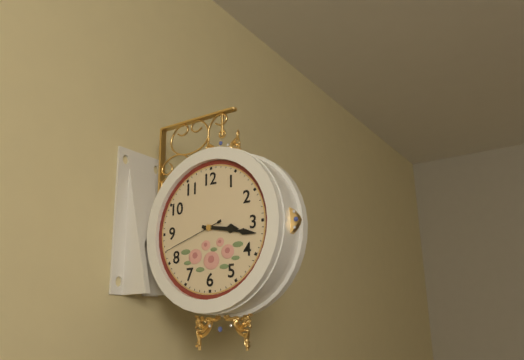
3:17:42
